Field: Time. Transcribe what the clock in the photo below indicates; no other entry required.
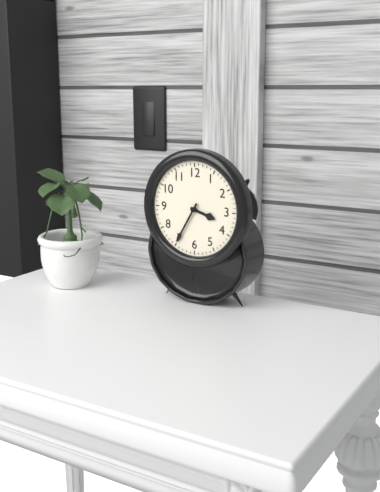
3:35
